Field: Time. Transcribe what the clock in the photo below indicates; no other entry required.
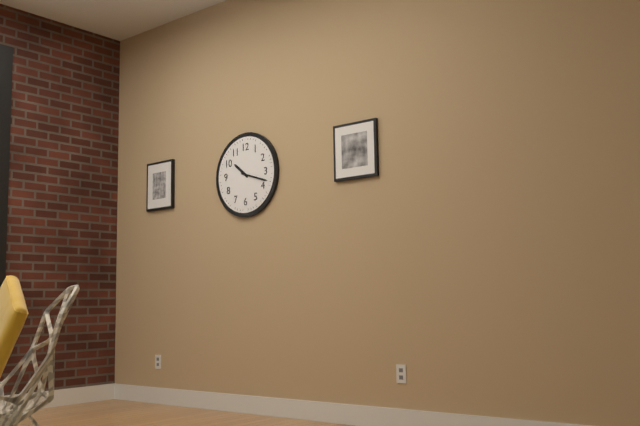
10:18
